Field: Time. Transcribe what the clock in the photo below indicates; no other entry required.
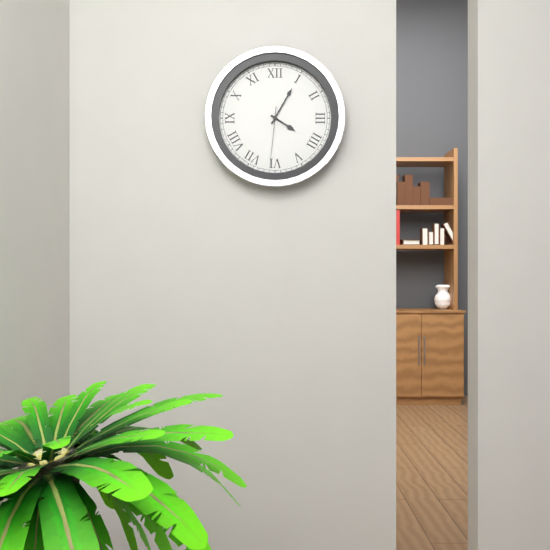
4:05:31
